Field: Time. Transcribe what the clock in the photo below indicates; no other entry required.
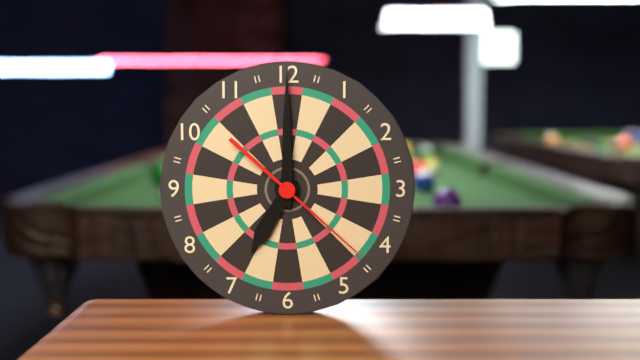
7:00:22
